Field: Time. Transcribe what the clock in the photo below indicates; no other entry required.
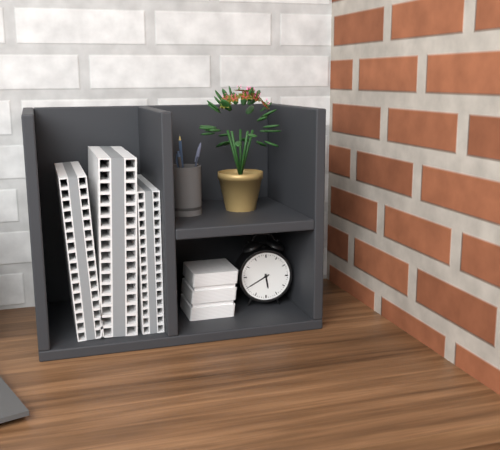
5:40
